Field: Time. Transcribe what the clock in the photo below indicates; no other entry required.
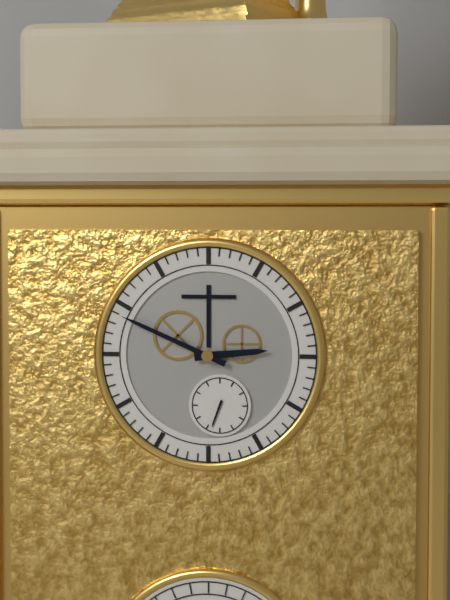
2:49
